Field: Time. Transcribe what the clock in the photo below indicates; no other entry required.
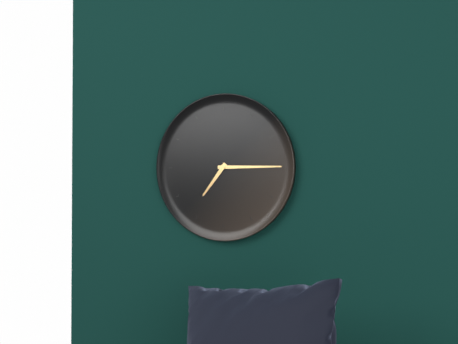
7:15
